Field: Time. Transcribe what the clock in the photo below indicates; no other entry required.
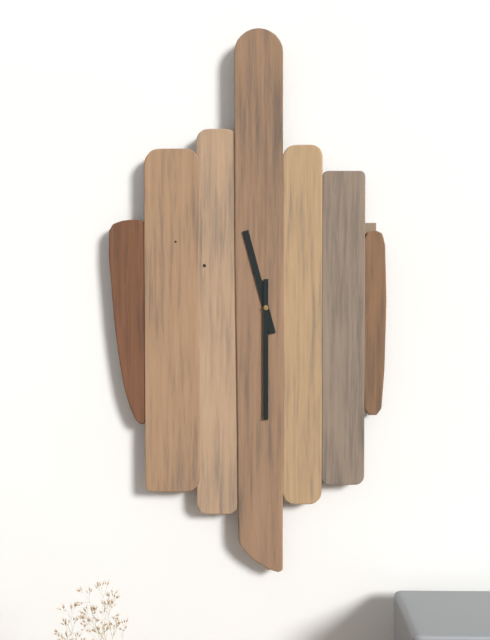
11:30
